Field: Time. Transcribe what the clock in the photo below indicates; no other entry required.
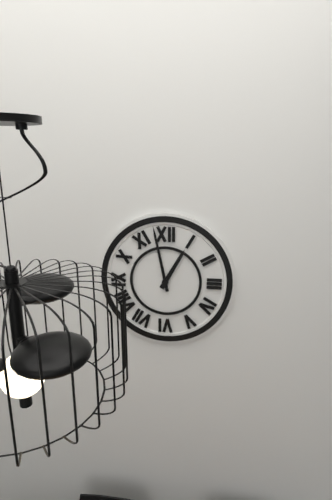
12:58
